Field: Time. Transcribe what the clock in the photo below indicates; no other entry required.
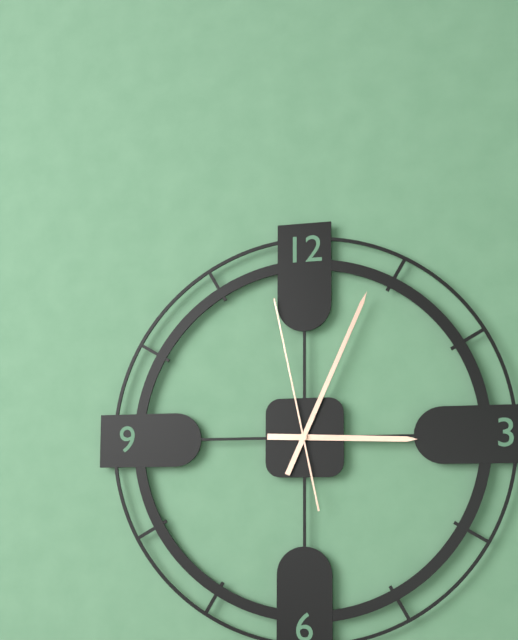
3:04:58
